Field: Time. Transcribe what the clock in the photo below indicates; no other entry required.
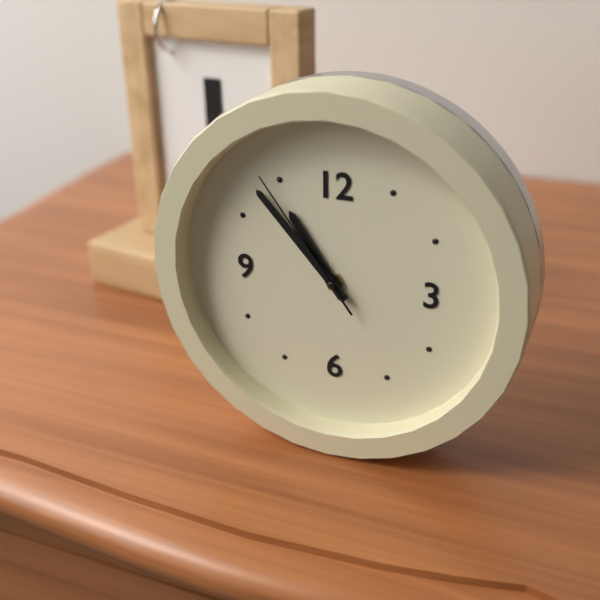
10:53:54
